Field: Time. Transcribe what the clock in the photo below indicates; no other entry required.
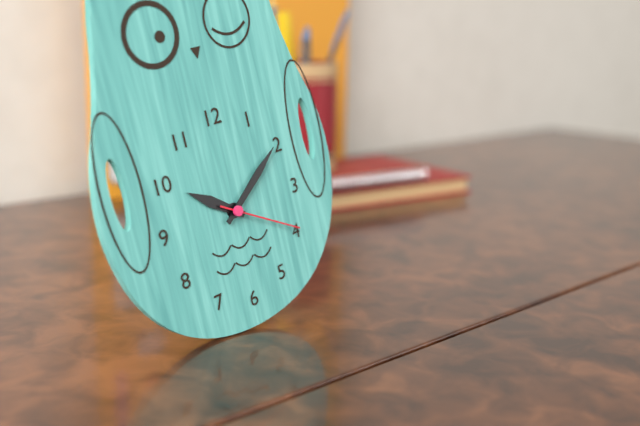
10:09:20
